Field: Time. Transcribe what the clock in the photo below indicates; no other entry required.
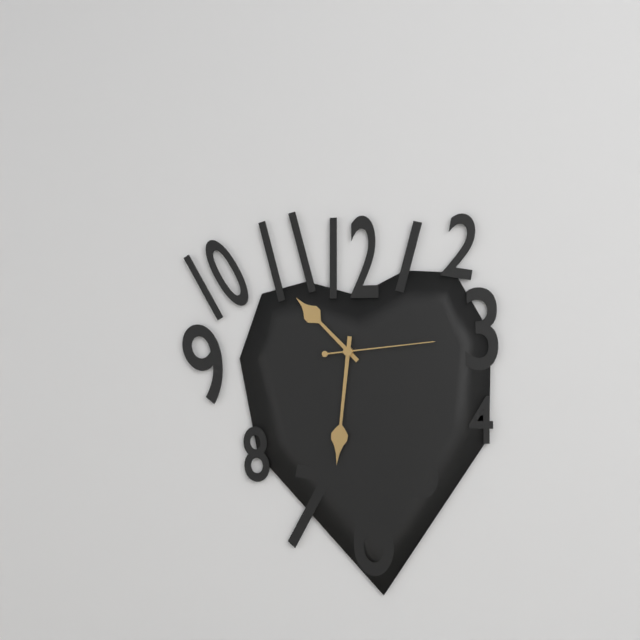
10:31:14
